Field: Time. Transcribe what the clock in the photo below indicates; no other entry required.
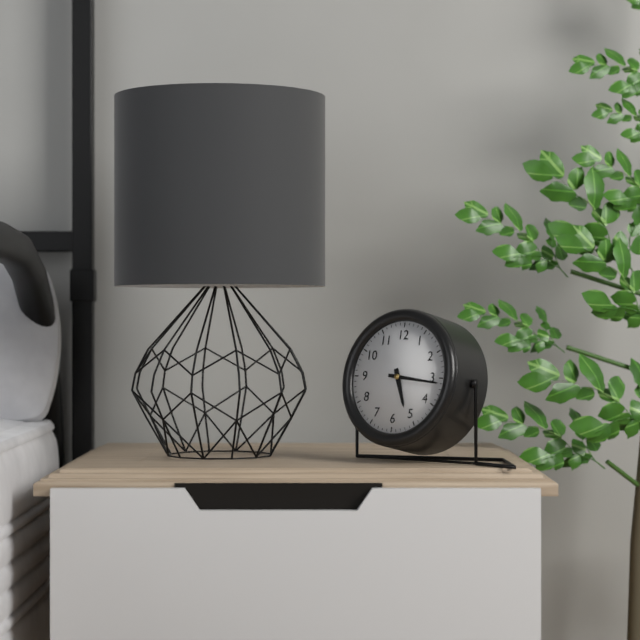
5:16
